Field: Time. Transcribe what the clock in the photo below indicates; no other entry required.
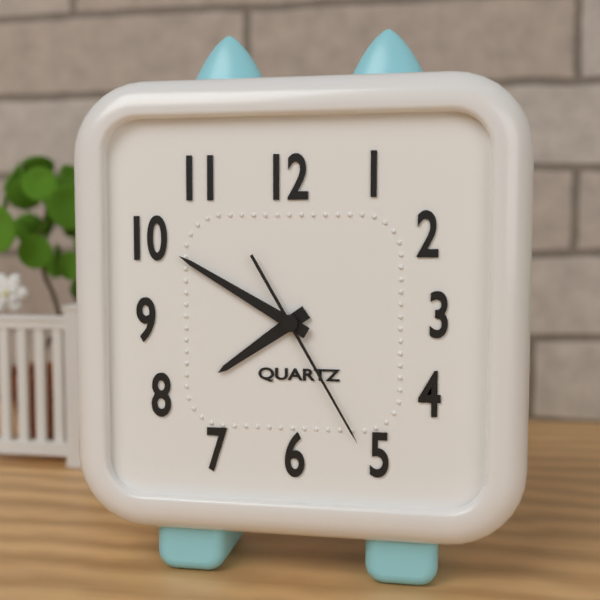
7:50:25
